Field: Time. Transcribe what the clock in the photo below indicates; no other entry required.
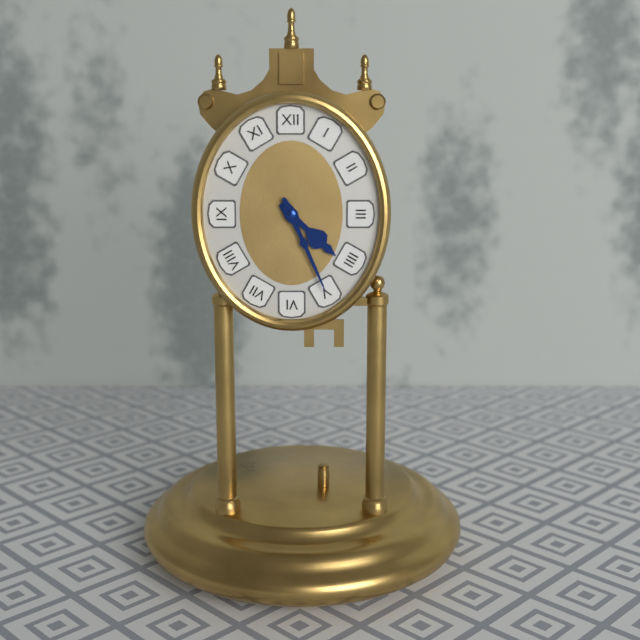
4:26
